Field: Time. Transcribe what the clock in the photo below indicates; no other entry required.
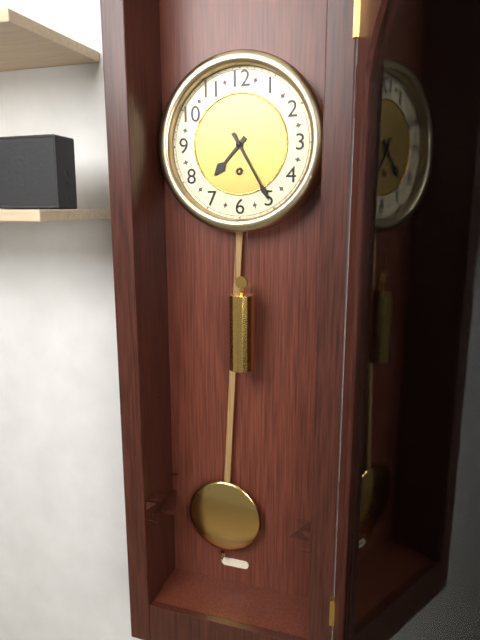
7:25
